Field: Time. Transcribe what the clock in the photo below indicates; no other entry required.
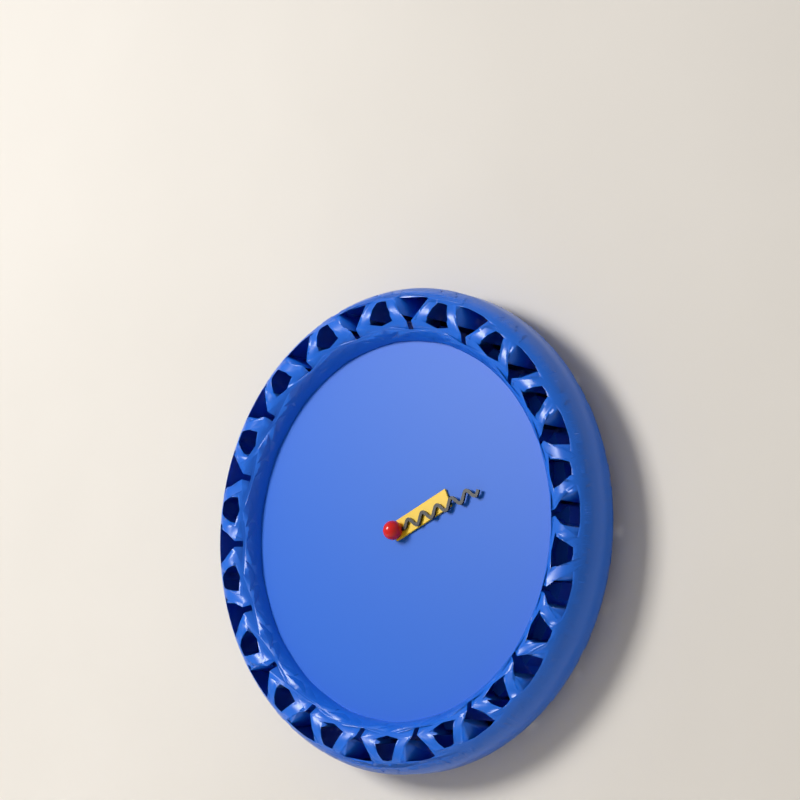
2:12
